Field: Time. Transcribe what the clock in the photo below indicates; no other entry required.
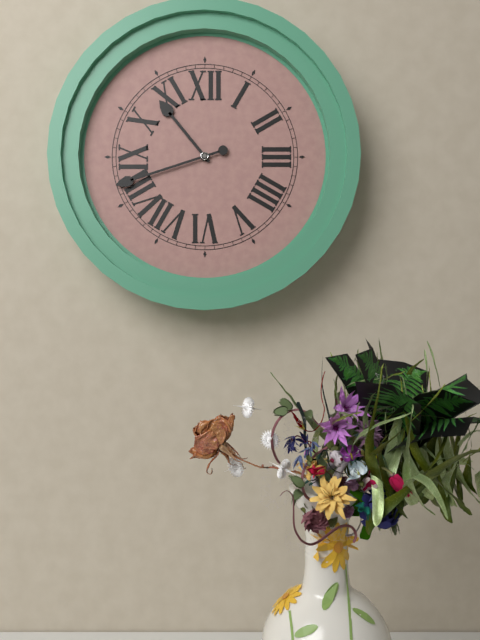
10:42
